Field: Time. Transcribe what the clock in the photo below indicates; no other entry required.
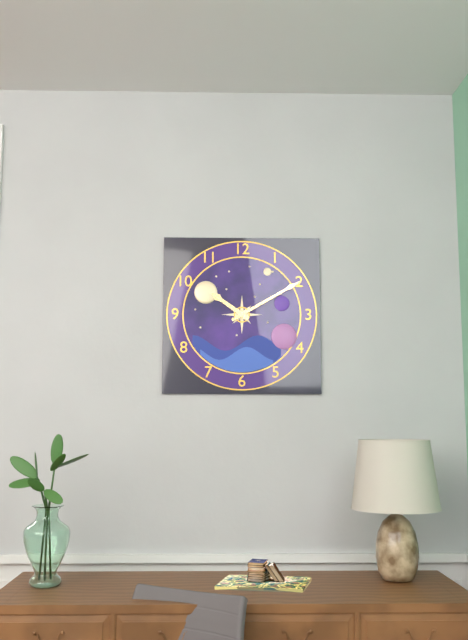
10:10
